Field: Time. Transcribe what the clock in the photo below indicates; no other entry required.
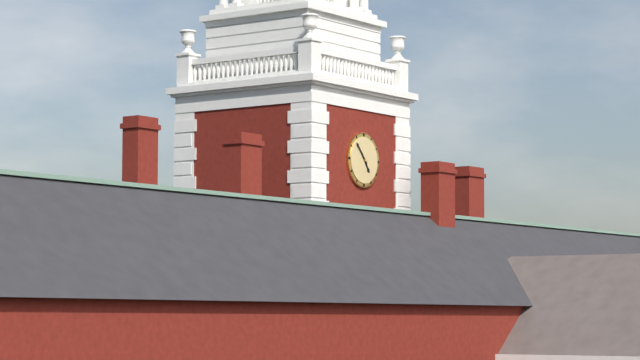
4:53
